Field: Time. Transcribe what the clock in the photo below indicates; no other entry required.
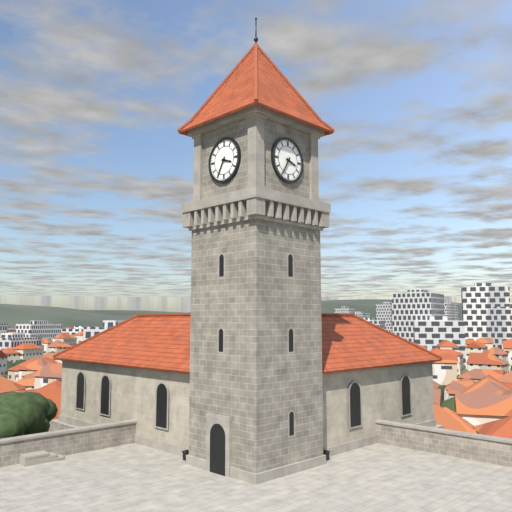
3:35
